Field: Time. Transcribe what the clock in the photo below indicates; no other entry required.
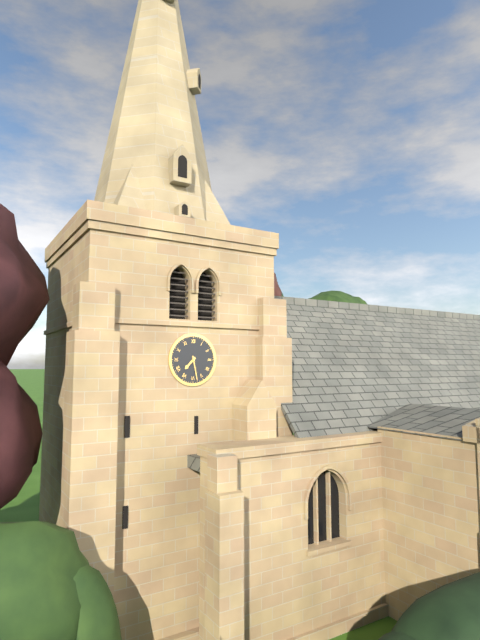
7:28
